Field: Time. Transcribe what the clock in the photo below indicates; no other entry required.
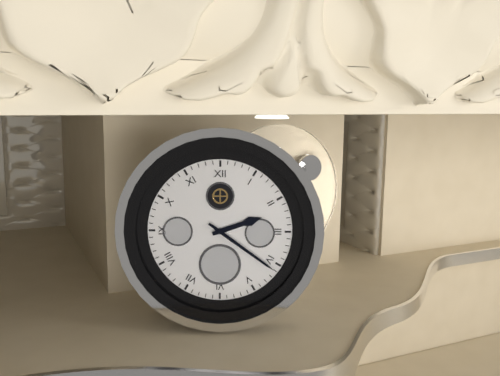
2:21
